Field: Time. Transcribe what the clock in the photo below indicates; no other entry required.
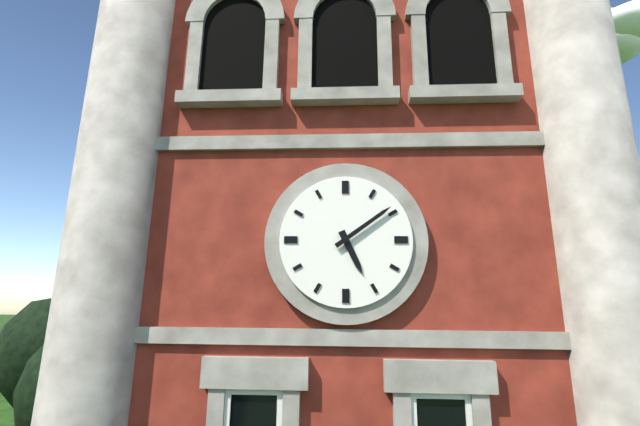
5:09
